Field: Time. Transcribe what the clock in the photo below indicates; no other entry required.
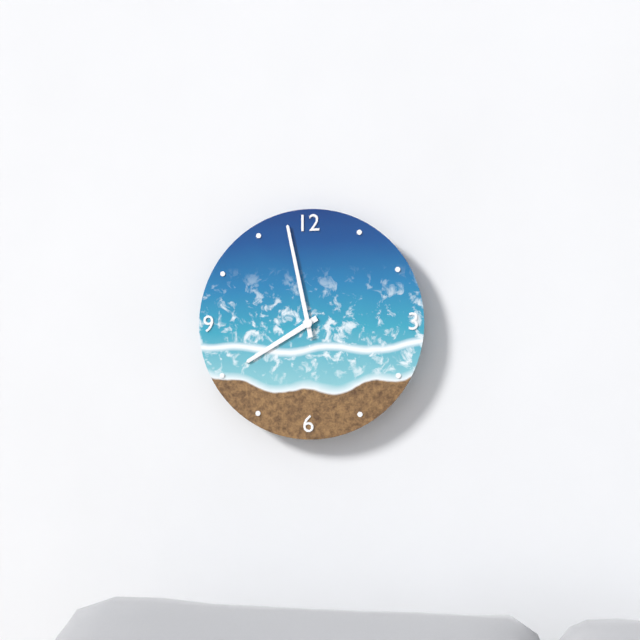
7:58
